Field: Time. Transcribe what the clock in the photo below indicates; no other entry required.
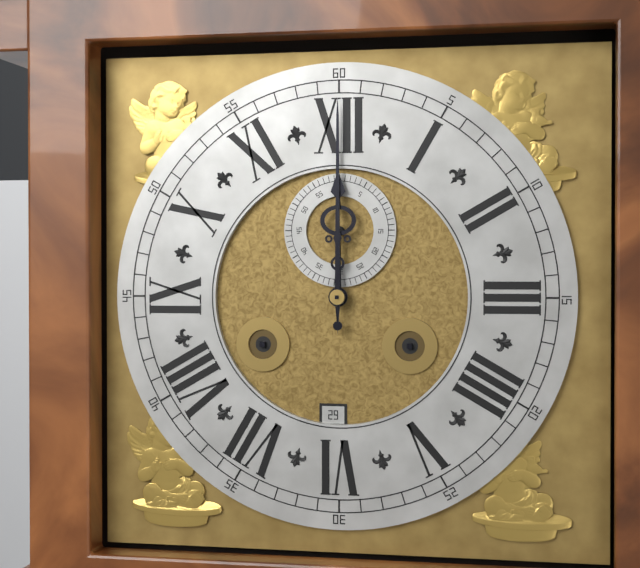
12:00
